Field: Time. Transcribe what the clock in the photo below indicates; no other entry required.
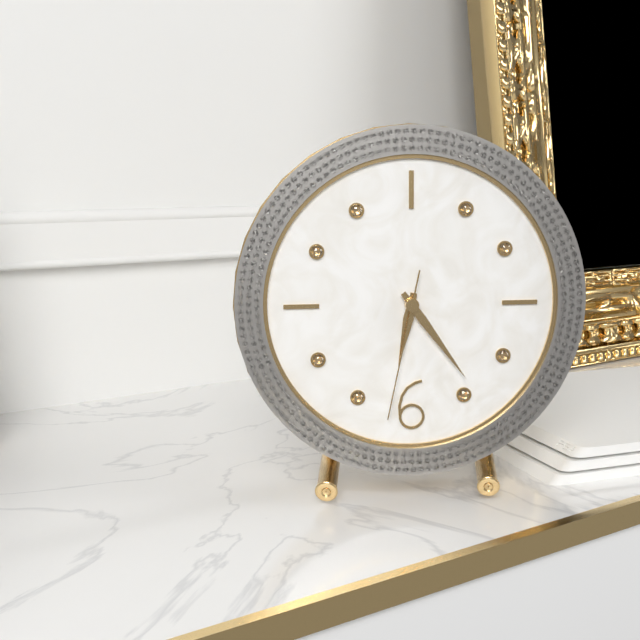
6:24:32
